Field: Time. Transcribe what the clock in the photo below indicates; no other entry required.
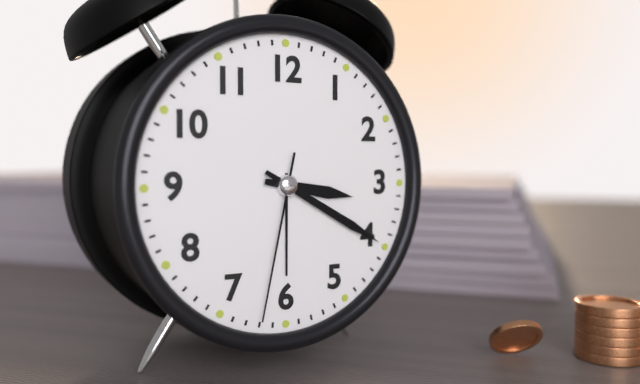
3:20:32
